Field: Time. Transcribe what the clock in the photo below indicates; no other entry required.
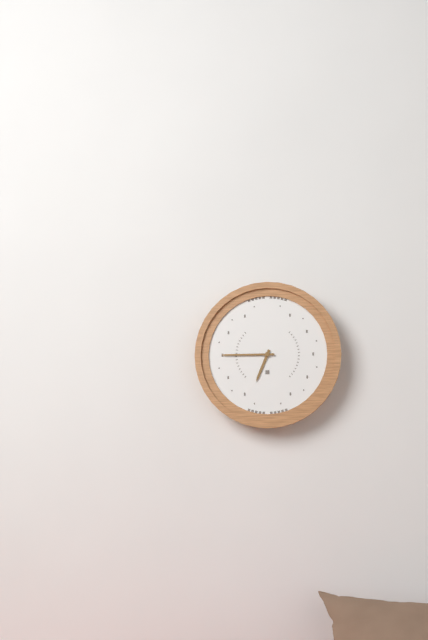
6:45
